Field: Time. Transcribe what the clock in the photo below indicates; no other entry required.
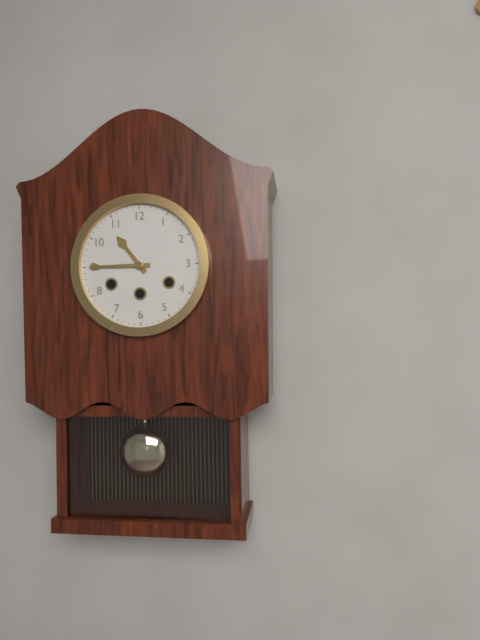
10:45
